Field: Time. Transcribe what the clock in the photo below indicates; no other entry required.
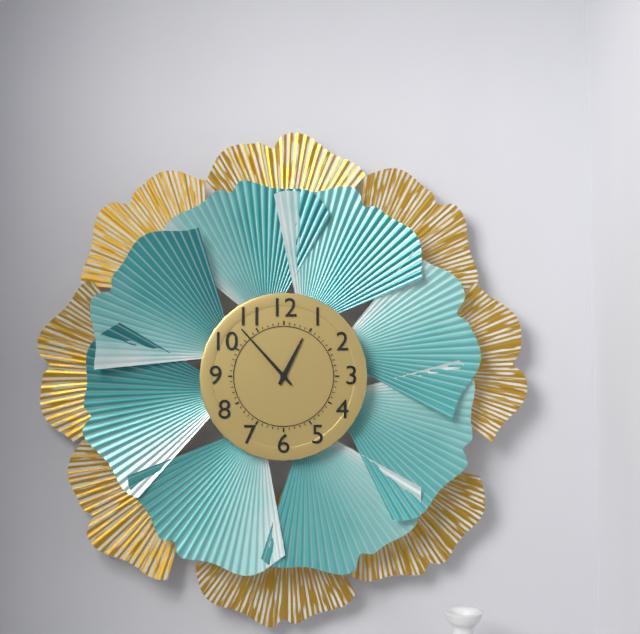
12:53
